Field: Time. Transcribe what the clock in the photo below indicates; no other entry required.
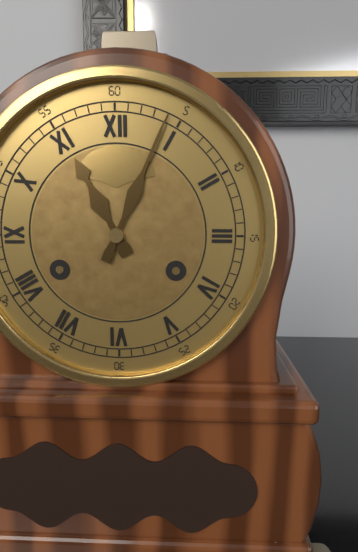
11:04
